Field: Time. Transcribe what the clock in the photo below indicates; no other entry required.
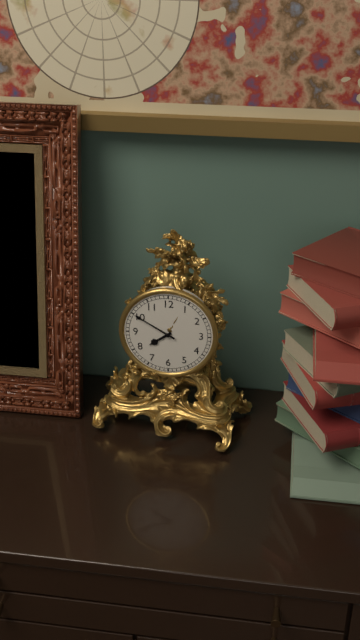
7:50
